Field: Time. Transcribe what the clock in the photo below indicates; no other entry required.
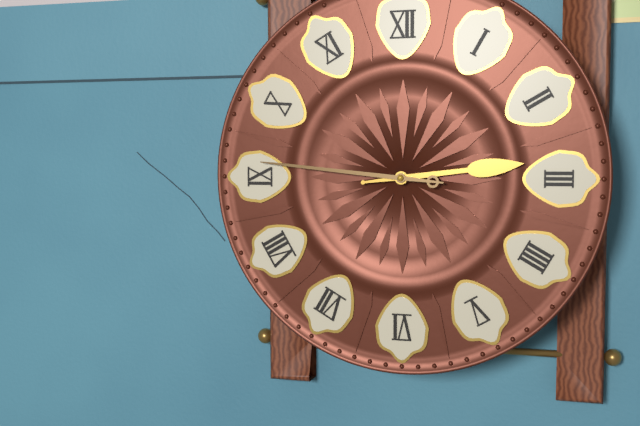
2:46
